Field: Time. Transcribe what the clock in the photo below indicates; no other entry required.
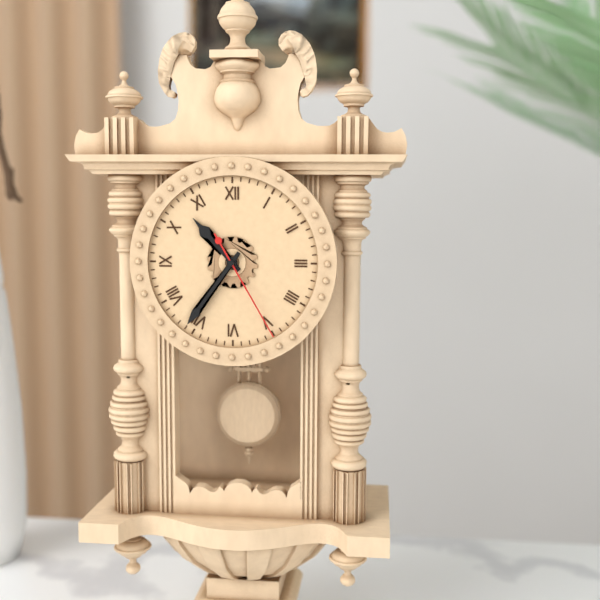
10:36:25
